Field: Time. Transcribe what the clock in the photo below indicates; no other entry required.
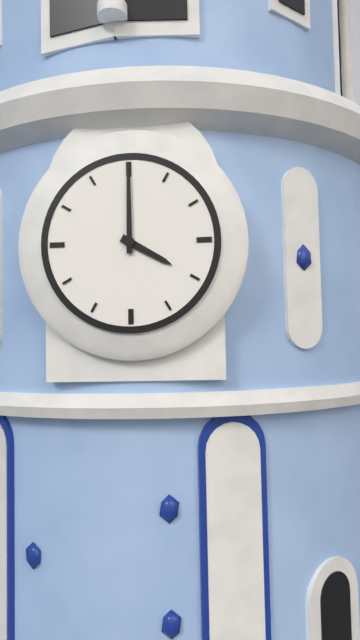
4:00
